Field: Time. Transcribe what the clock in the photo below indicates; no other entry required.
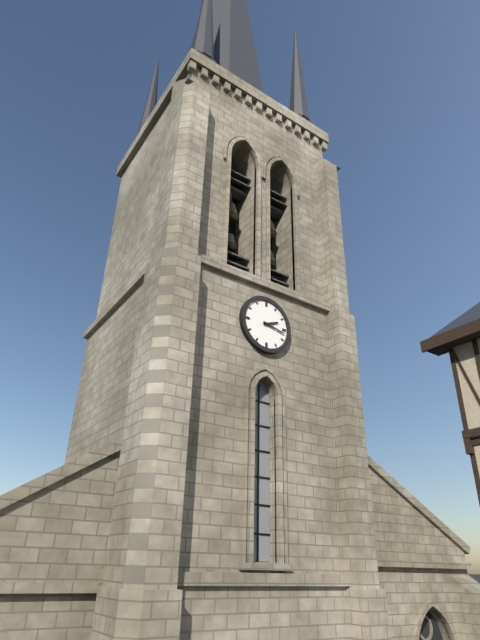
2:17
